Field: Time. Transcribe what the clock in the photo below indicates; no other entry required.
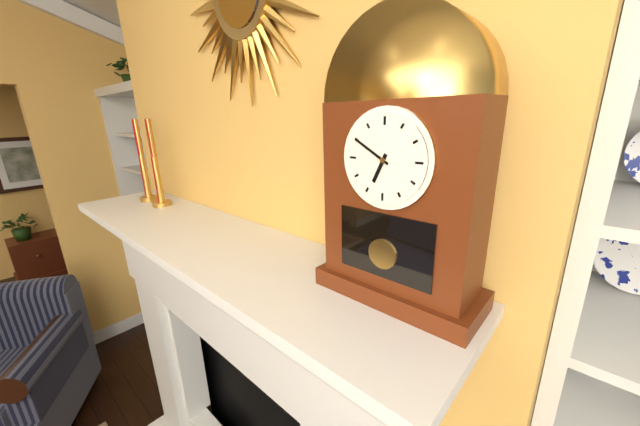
6:50
